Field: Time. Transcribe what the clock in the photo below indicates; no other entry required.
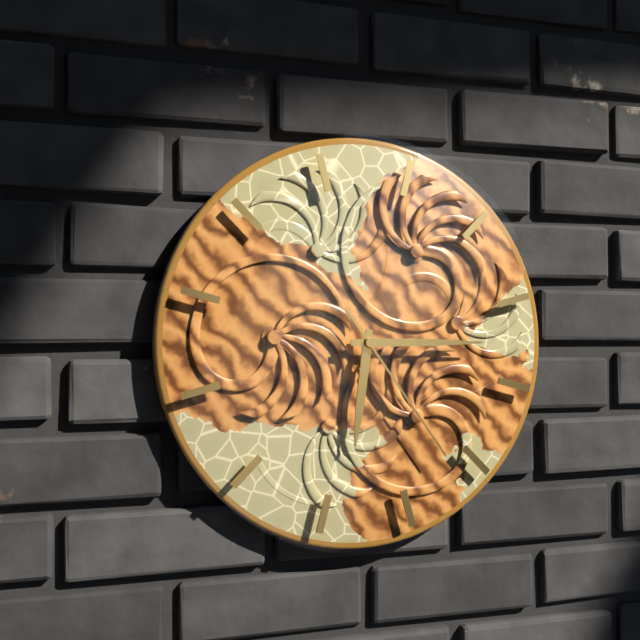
6:15:24
